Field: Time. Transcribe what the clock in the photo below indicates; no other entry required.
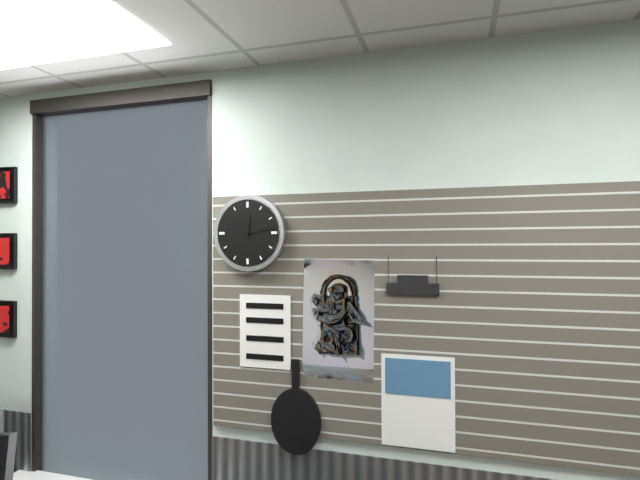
12:13
